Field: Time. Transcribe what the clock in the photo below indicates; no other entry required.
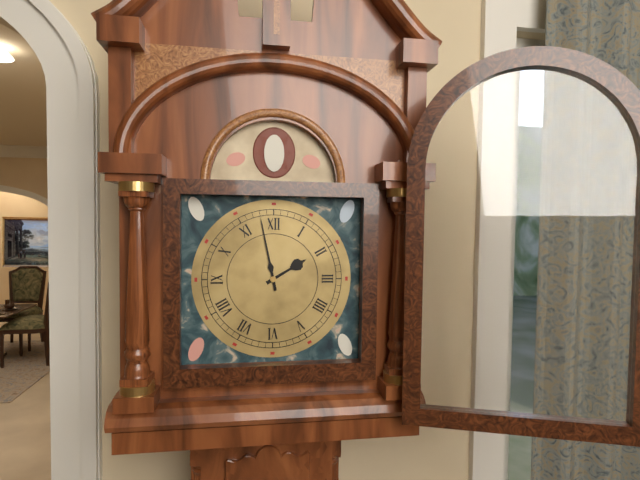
1:58
